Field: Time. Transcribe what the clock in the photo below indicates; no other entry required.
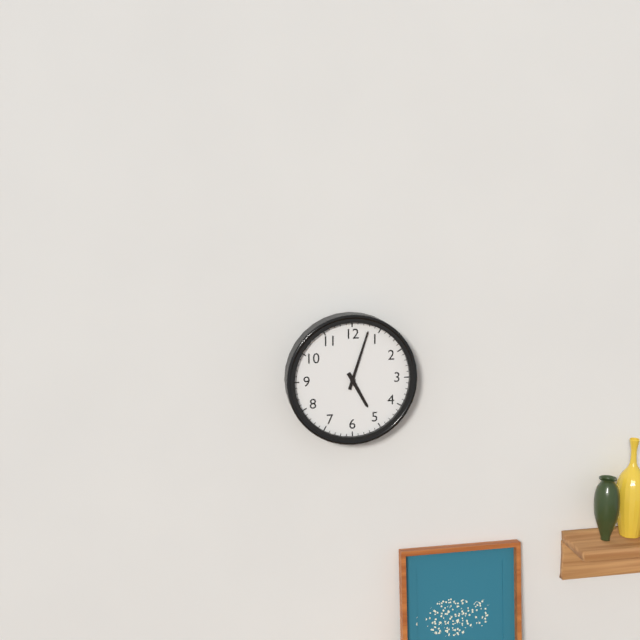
5:03
